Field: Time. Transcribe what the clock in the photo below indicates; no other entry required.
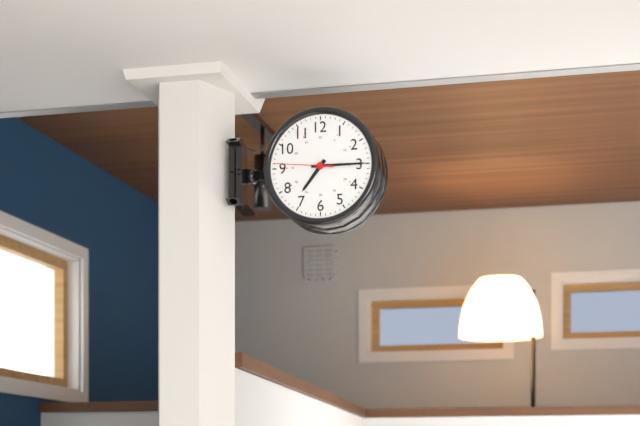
7:15:46
